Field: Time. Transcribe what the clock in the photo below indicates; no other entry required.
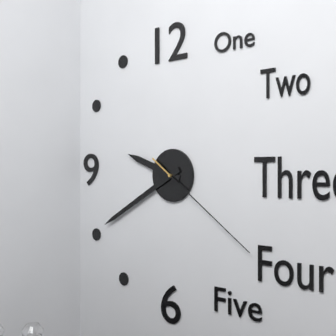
9:40:21
